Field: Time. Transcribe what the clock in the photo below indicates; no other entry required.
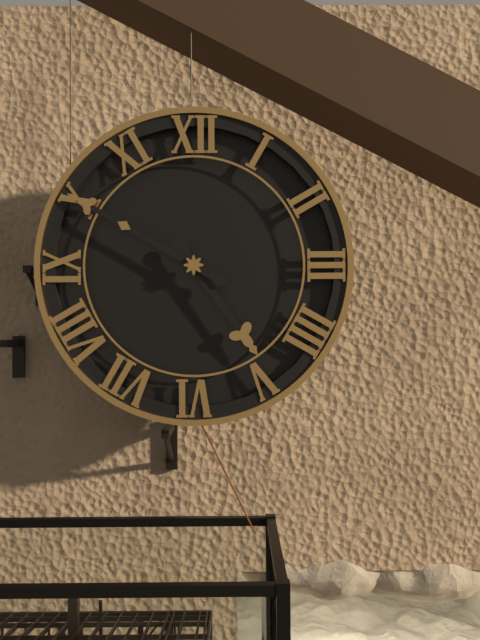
4:50
